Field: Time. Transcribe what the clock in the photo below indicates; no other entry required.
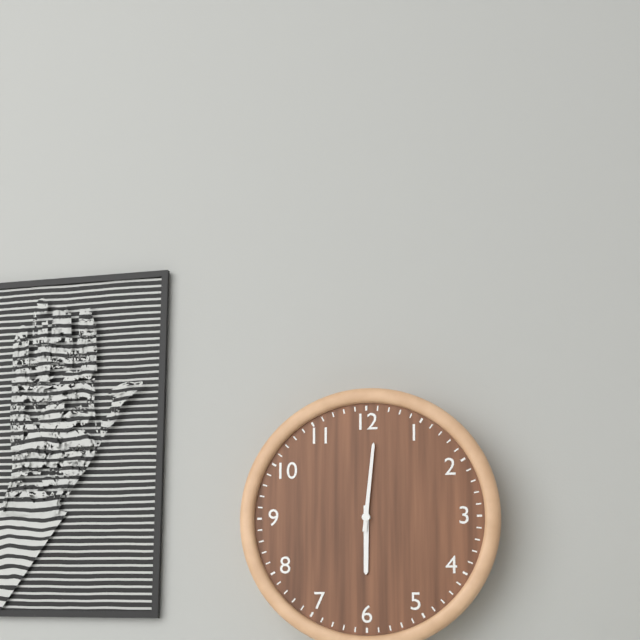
6:01
